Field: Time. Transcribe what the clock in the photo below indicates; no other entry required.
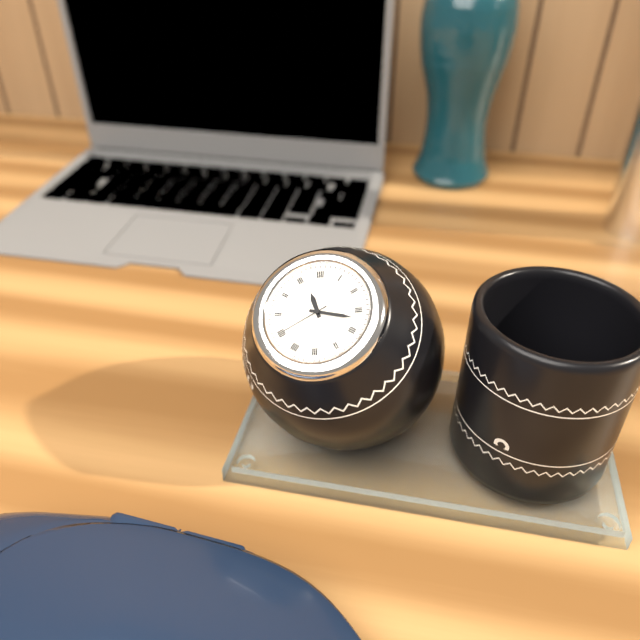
11:17:40
